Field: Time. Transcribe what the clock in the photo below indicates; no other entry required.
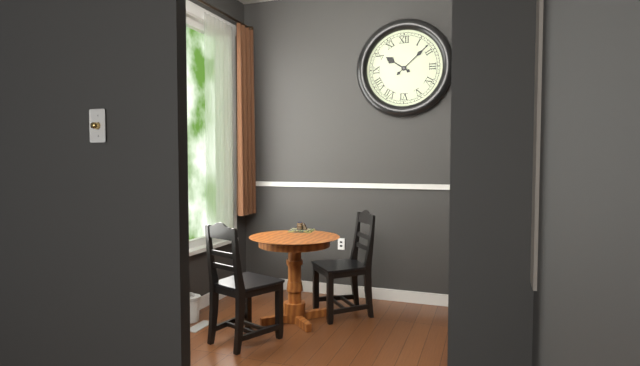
10:08
